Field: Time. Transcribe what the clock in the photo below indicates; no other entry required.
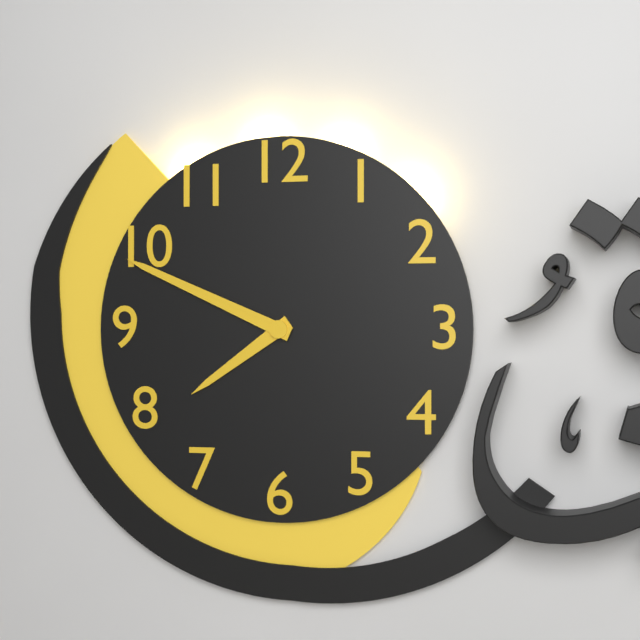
7:49
